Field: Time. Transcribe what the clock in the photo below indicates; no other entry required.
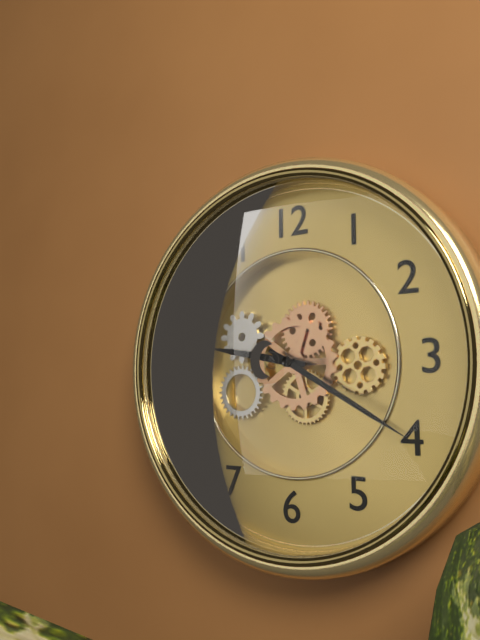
9:20
